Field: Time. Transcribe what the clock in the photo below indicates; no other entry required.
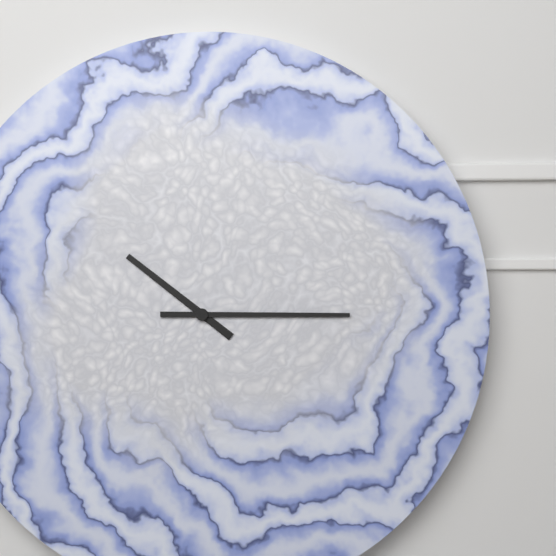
10:15
